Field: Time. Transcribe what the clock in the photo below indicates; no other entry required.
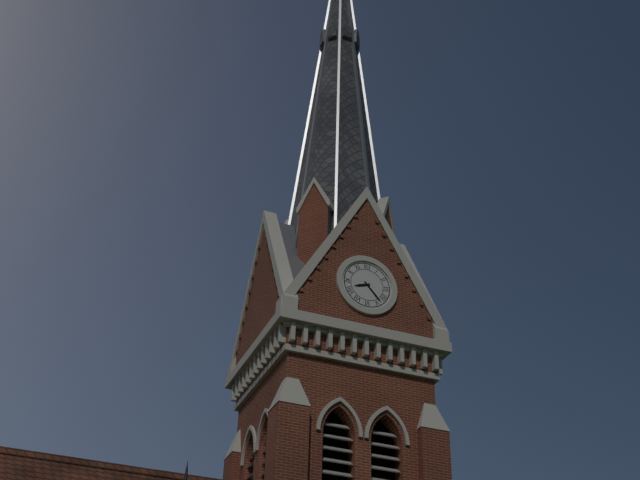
8:23
